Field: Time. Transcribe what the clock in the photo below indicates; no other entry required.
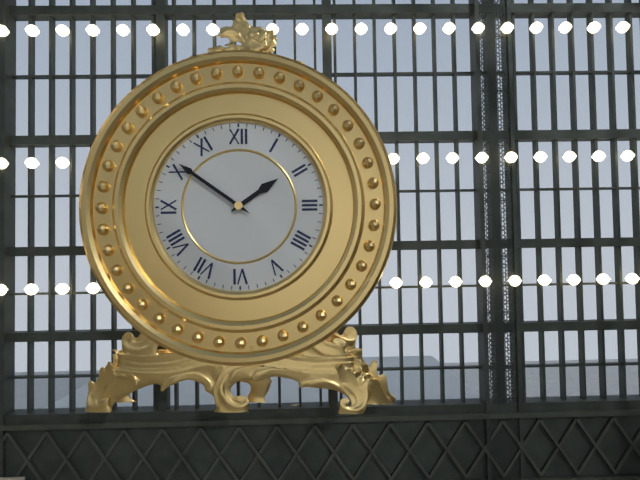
1:51
